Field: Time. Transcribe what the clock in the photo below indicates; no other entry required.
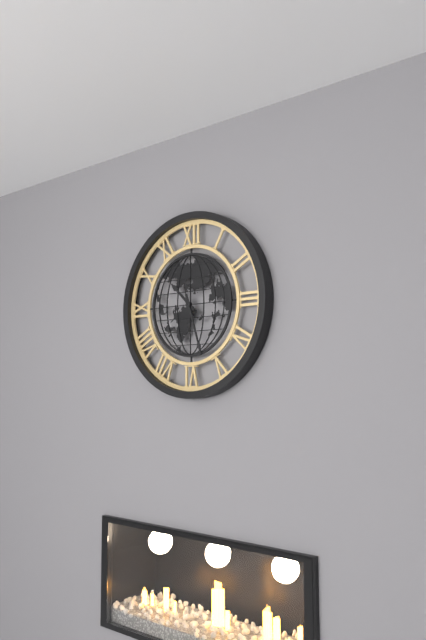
10:27
